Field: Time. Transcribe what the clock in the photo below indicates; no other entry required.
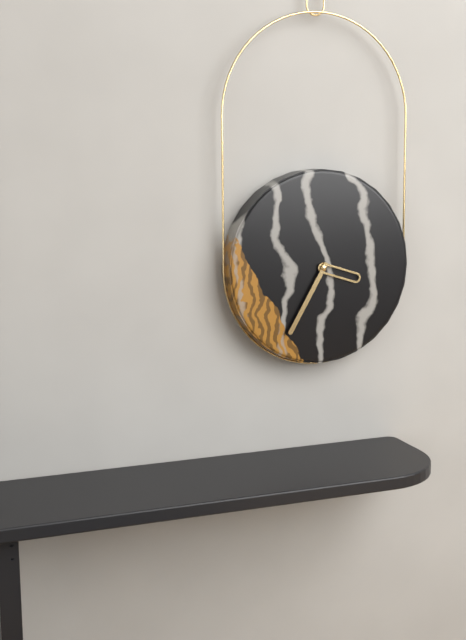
3:35
